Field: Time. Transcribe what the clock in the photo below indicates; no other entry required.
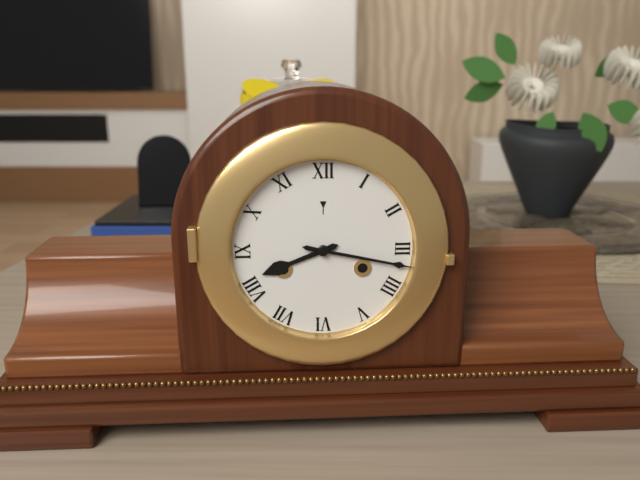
8:17
